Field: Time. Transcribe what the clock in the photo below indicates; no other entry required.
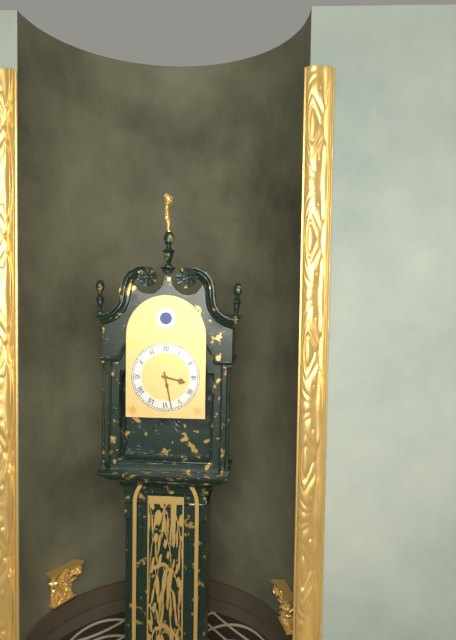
3:28
